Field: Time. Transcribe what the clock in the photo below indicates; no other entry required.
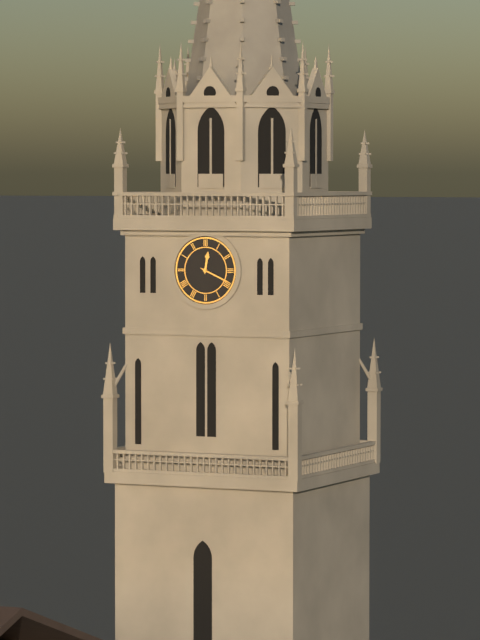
12:19
